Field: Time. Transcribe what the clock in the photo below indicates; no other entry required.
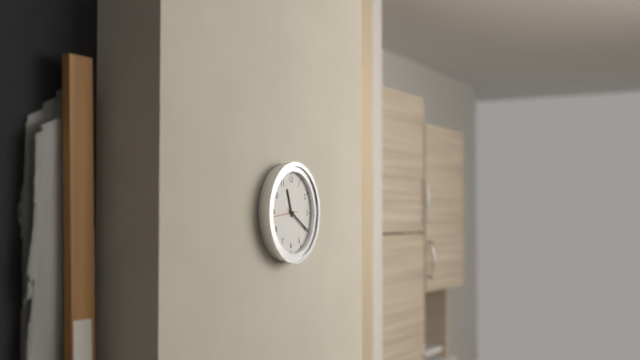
11:20
